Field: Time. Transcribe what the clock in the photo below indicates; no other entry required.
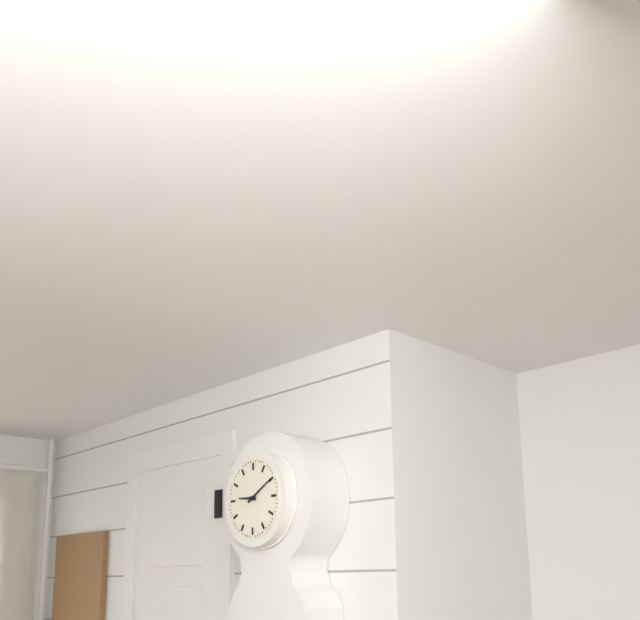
9:10
